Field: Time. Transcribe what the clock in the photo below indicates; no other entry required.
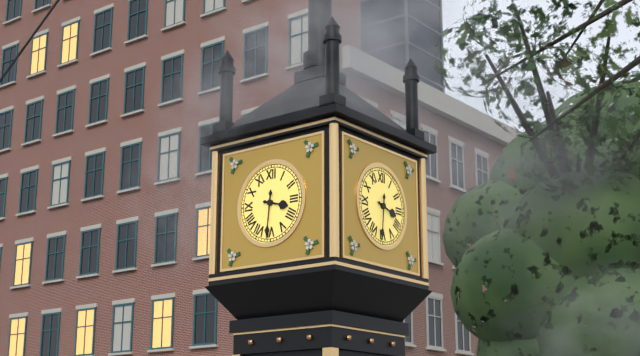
3:31
